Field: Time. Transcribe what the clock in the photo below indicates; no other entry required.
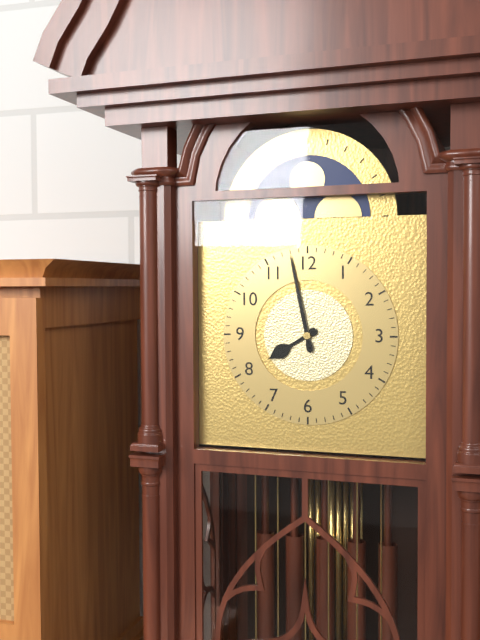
7:58
